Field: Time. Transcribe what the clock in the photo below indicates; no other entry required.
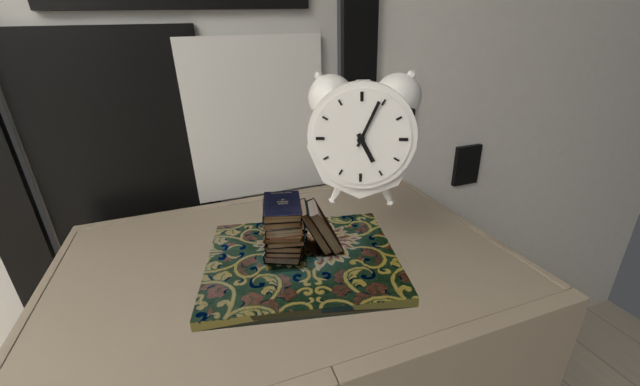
5:04
